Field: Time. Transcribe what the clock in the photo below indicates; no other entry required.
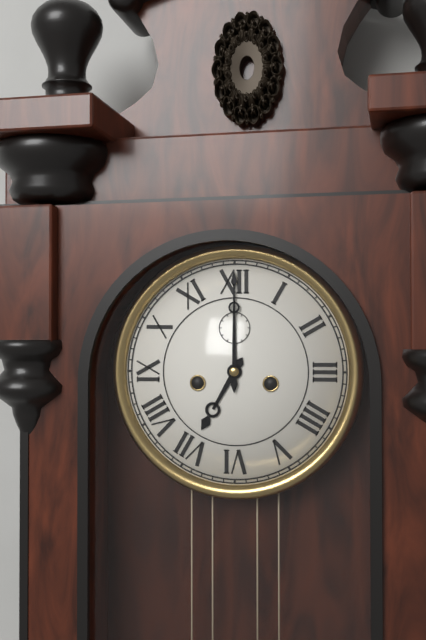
7:00
